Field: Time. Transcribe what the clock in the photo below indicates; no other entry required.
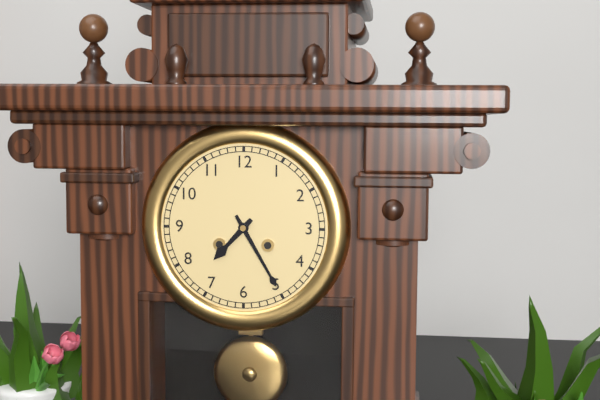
7:25
